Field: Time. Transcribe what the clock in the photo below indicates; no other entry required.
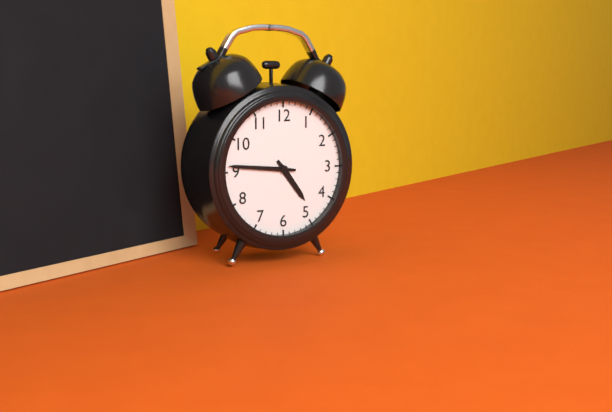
4:46
